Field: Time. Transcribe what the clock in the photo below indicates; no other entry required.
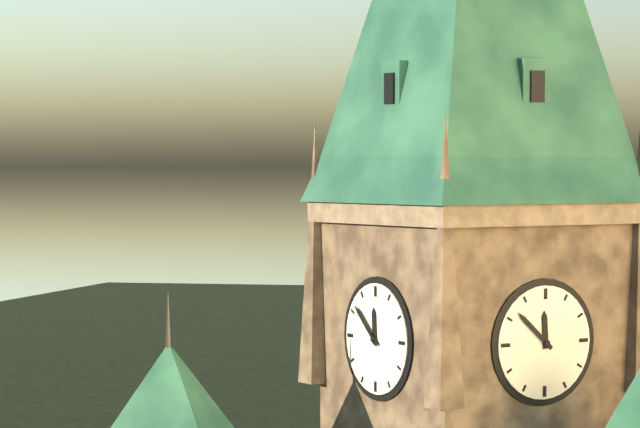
11:52
